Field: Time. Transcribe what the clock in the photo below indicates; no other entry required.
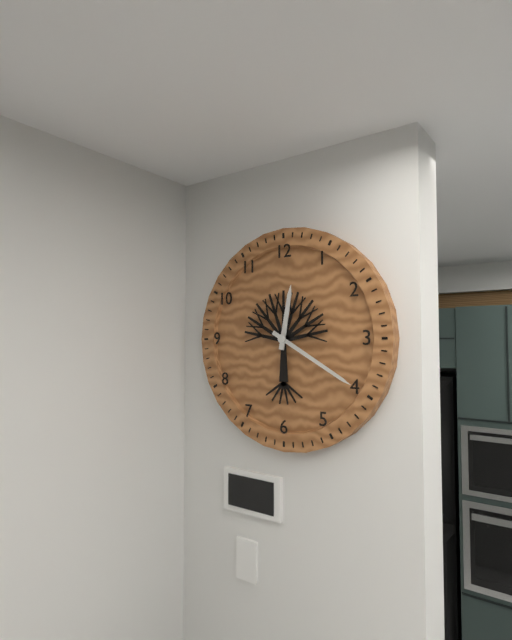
12:20
